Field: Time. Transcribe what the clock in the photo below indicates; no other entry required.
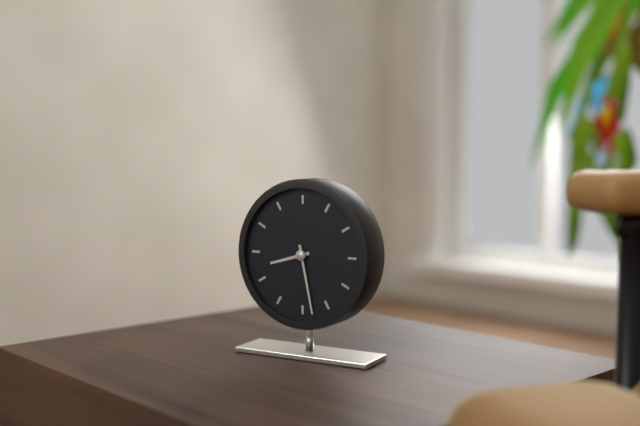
8:28
